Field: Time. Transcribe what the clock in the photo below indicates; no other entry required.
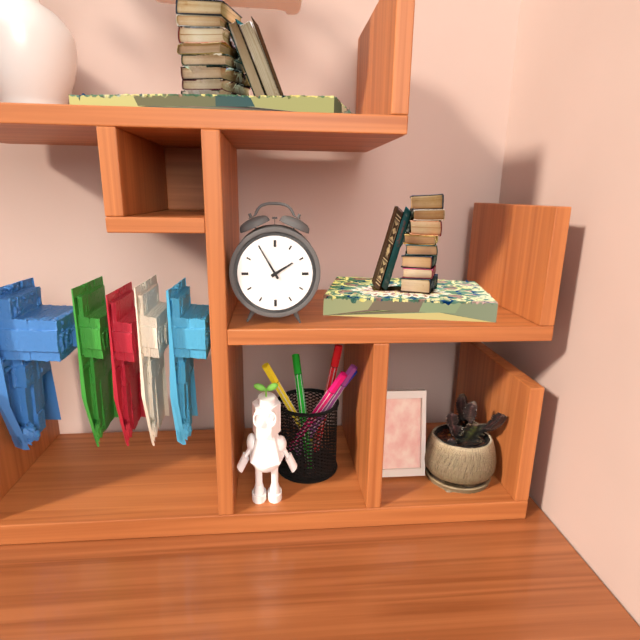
1:55
